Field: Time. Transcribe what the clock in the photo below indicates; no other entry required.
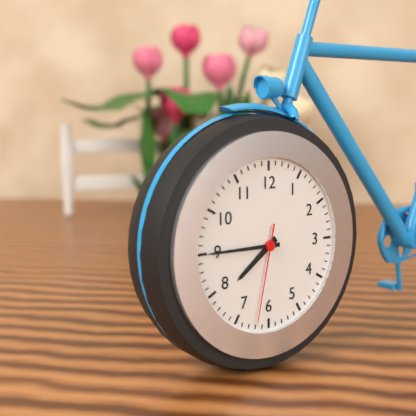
7:45:32
